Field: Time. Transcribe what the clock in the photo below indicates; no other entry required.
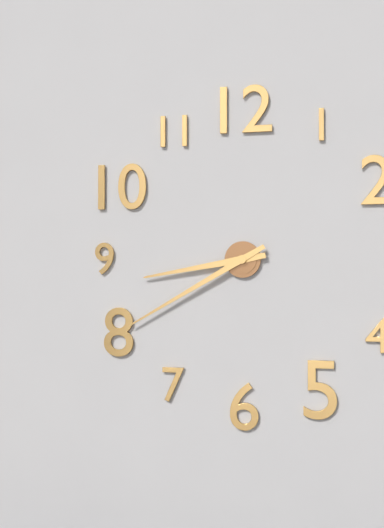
8:40
